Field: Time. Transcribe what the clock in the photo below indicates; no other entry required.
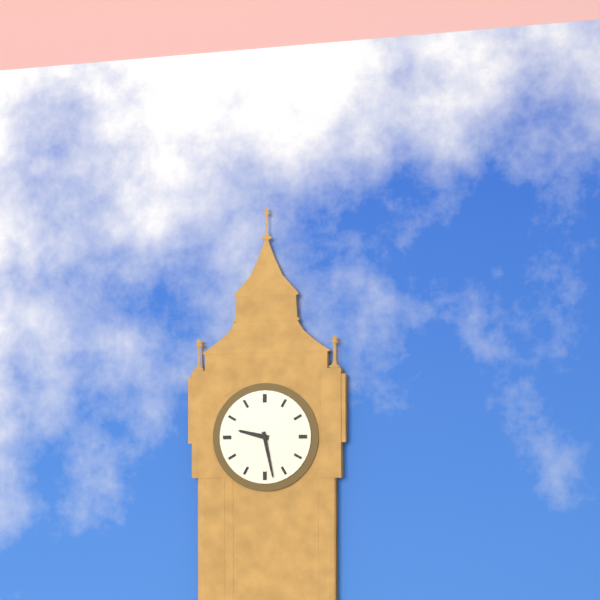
9:28
